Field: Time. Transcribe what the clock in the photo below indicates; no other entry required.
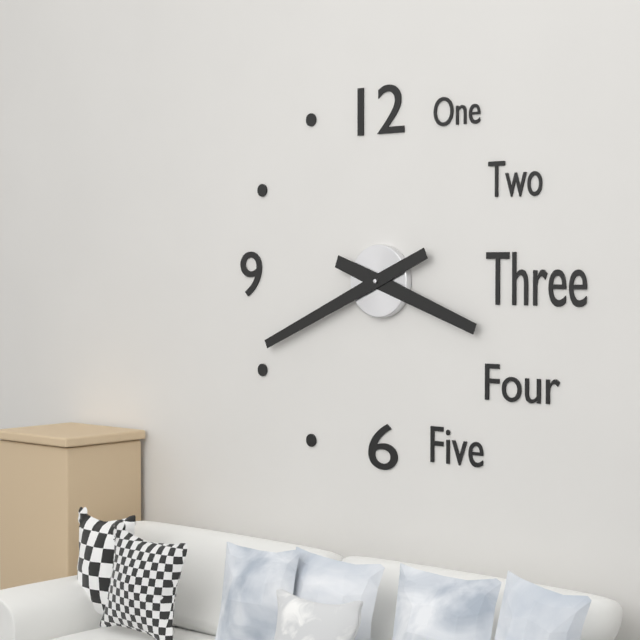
3:41
